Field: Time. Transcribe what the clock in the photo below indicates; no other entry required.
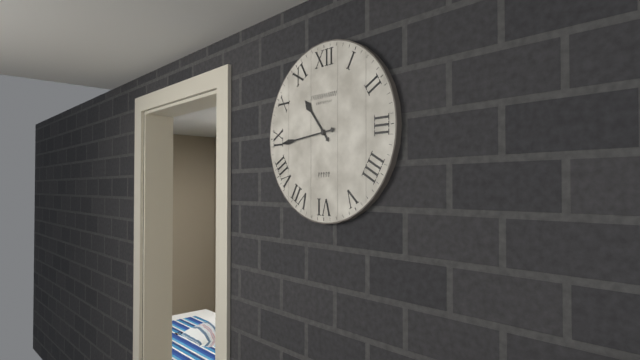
10:44
